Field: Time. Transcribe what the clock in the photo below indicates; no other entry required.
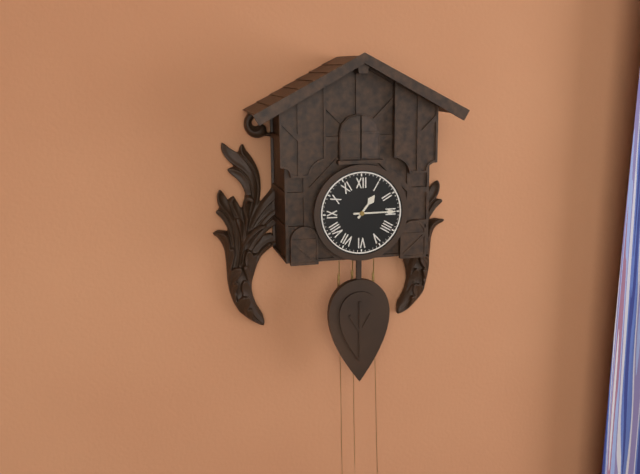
1:15
